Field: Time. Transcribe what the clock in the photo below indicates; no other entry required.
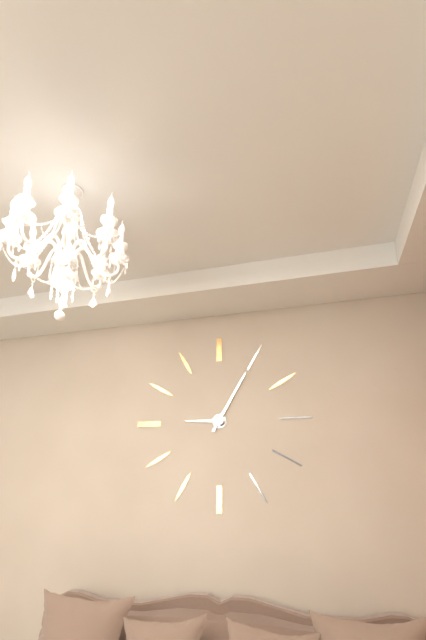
9:05
